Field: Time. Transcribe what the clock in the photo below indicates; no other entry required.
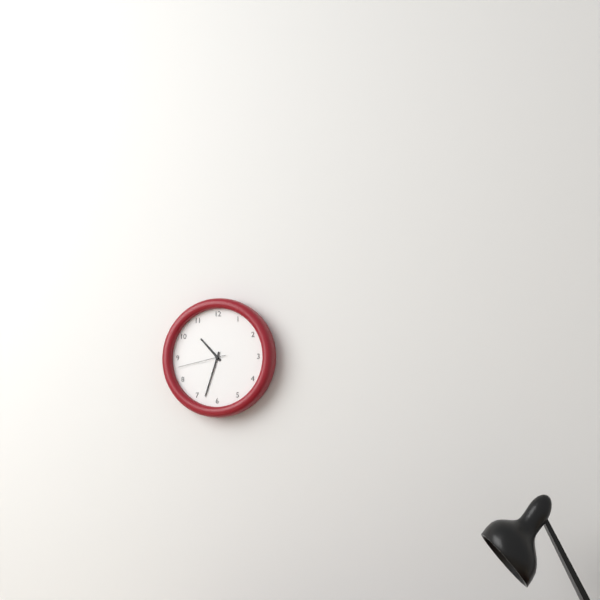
10:33:43
